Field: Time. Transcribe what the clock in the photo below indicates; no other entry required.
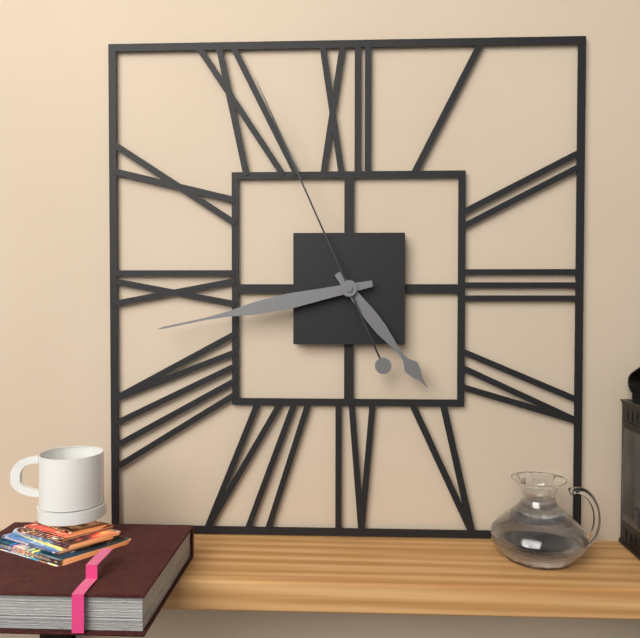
4:43:56
